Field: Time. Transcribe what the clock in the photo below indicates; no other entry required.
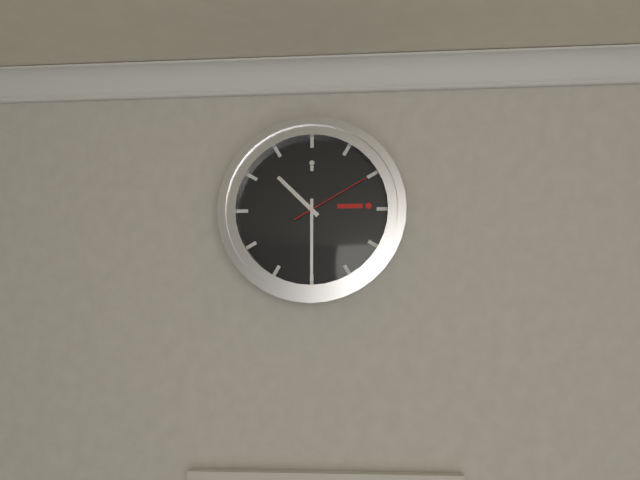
10:30:10
